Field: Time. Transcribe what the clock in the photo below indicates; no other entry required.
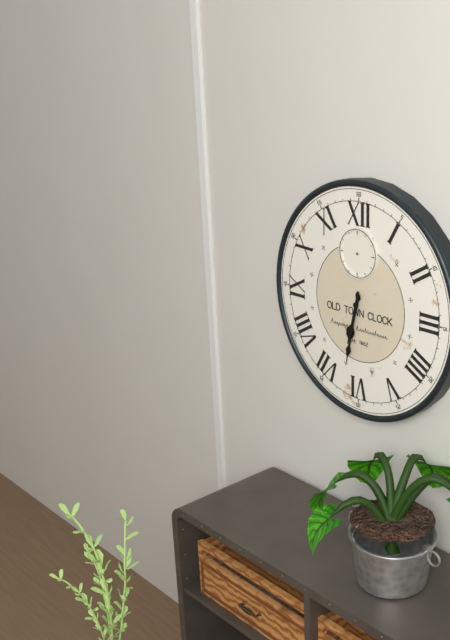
6:32
